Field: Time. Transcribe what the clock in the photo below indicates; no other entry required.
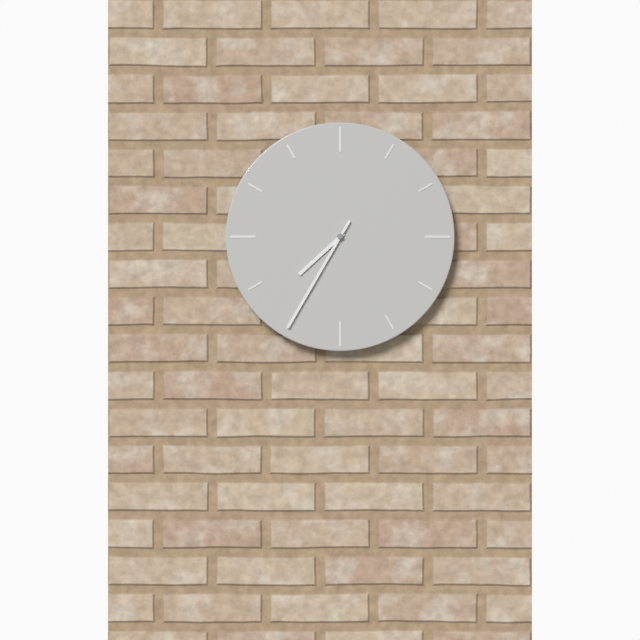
7:35
